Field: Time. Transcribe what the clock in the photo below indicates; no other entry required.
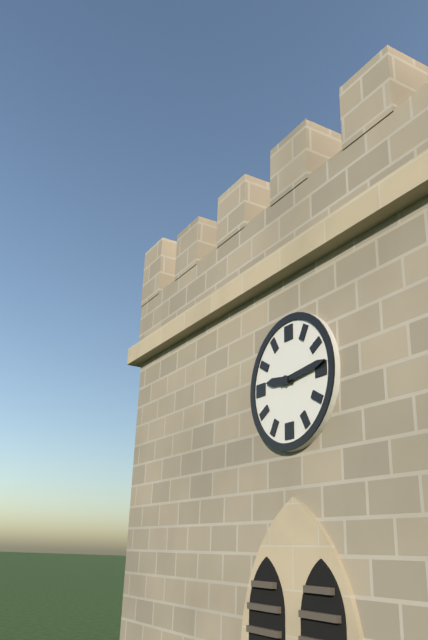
9:14
